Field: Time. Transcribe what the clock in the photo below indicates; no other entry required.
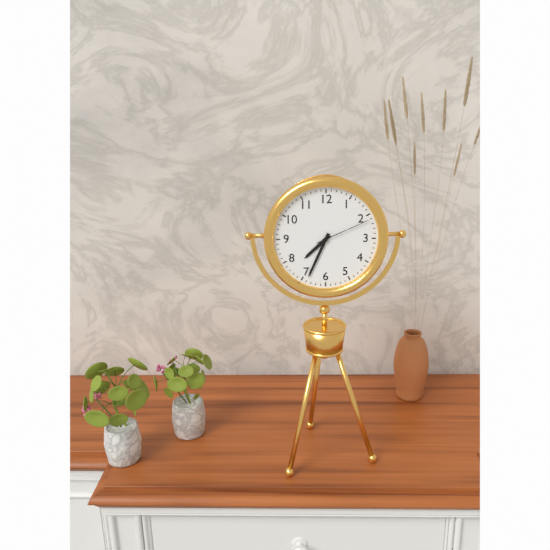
7:34:11
